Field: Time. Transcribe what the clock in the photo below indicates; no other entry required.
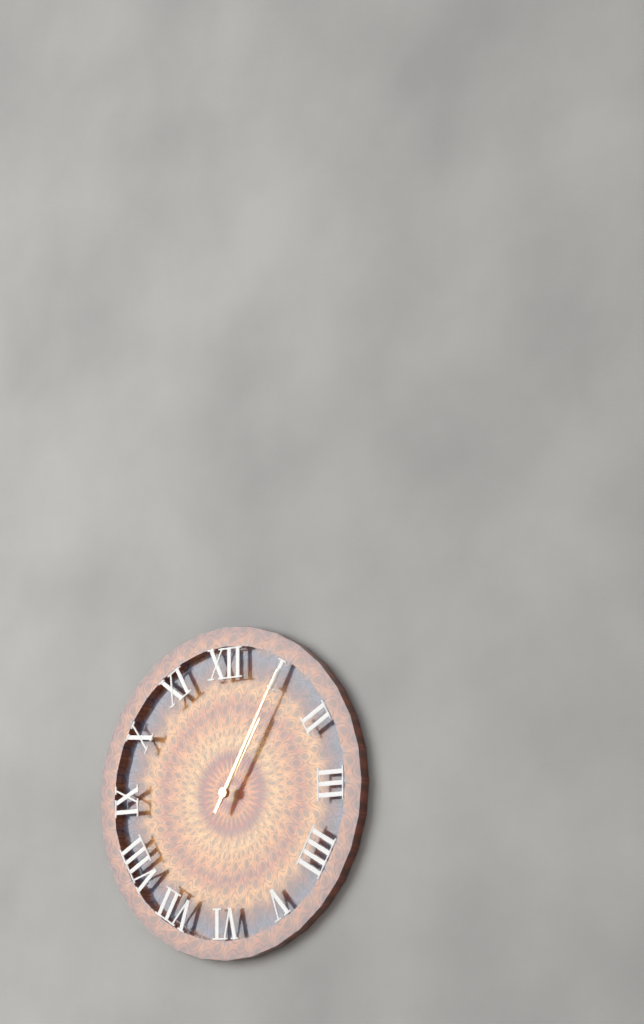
1:05
